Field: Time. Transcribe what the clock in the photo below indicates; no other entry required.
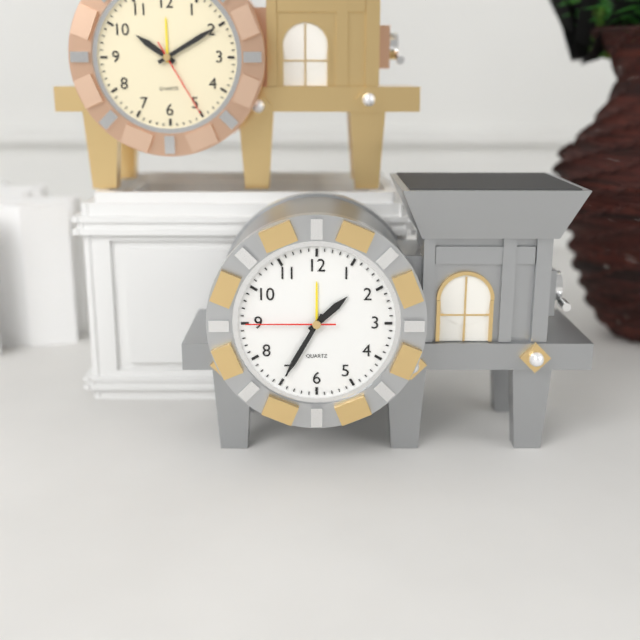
1:35:45
